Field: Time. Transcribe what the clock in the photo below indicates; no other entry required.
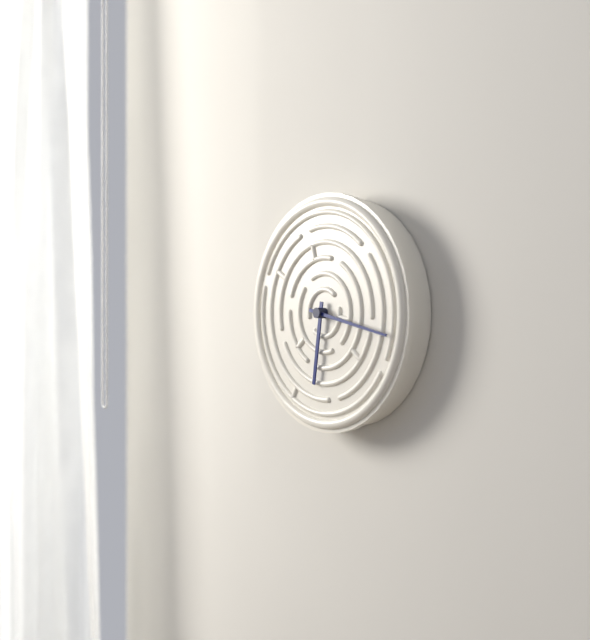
6:17
